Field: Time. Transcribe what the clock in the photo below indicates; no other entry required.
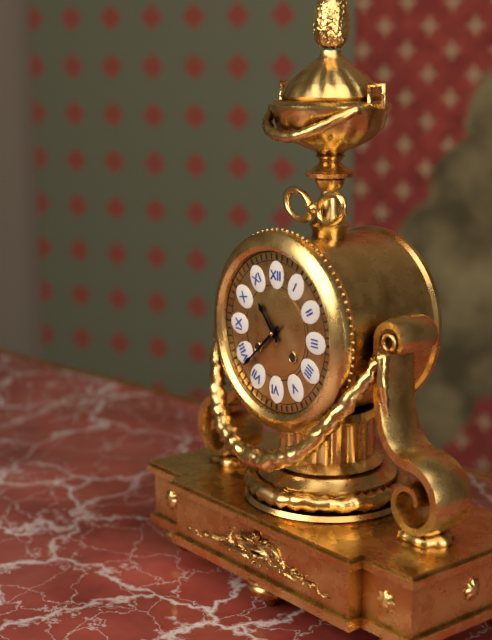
10:38
